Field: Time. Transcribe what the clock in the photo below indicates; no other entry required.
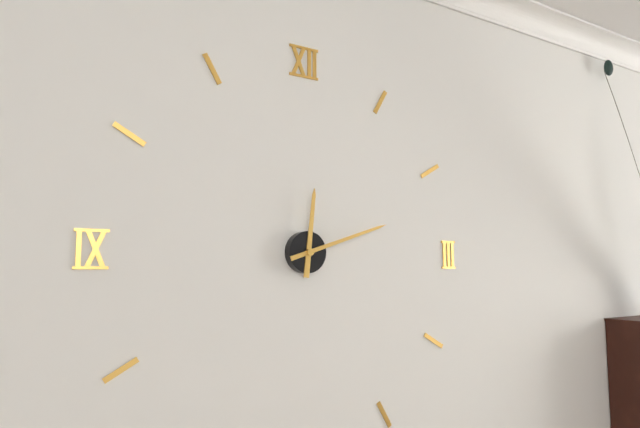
12:12
